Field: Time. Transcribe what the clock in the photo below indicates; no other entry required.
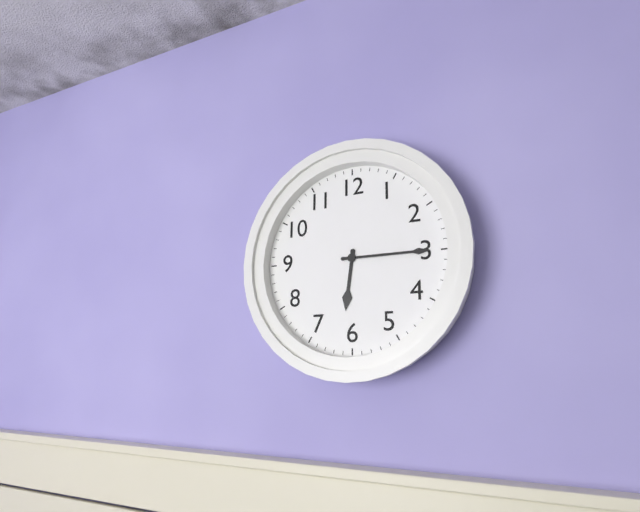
6:15
